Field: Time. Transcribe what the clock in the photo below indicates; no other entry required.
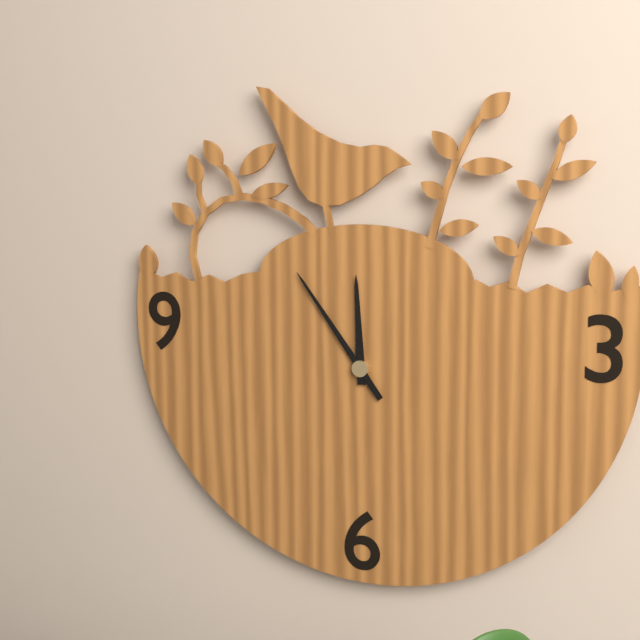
11:54
